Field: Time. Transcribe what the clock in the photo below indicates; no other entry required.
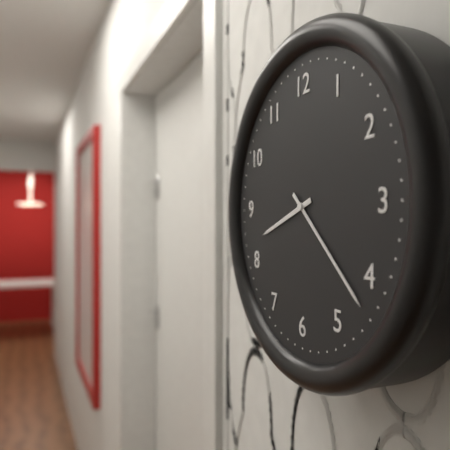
8:22
